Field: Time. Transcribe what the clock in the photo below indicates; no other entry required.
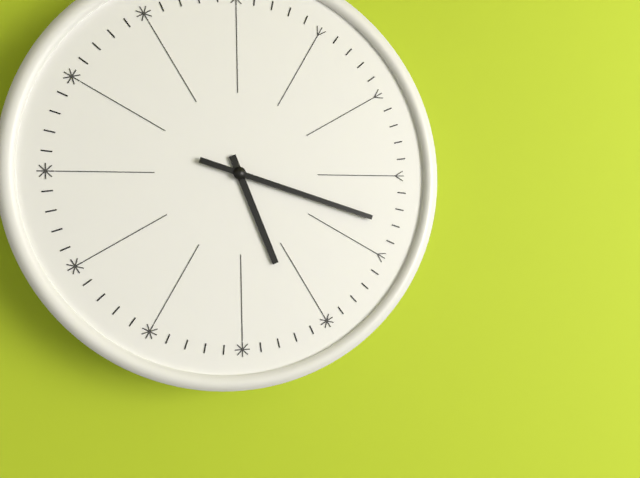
5:18
